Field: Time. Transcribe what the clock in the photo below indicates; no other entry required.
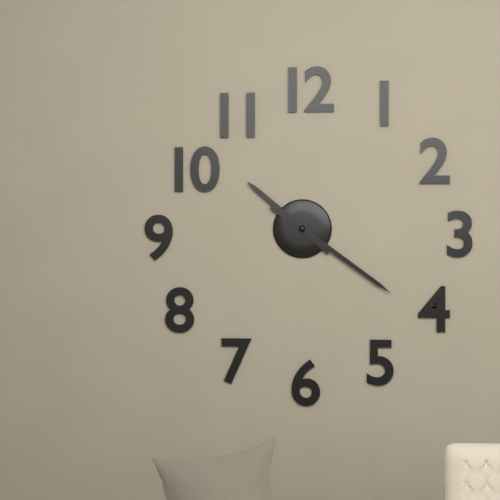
10:21
